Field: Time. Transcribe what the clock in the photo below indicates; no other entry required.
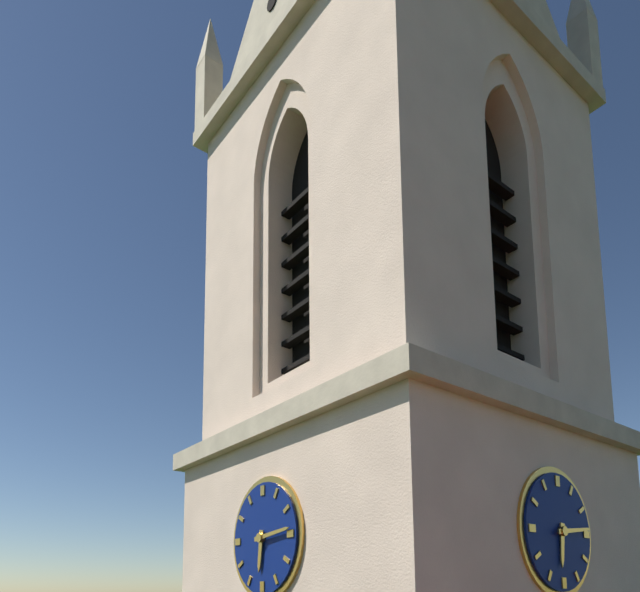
6:14
